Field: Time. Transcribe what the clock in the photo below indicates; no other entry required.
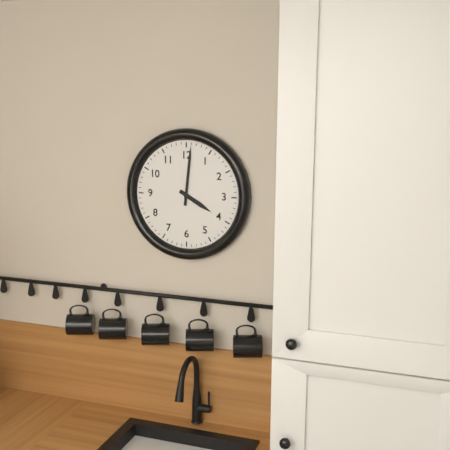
4:01
